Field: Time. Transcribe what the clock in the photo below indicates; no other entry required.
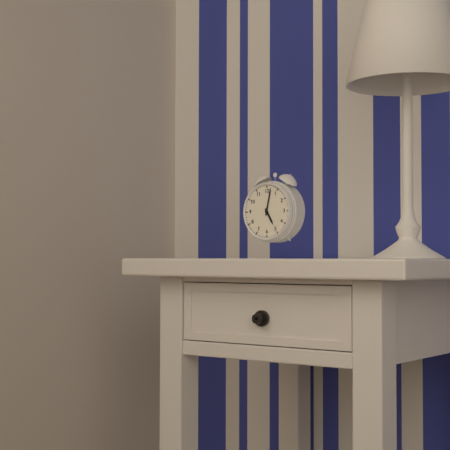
5:02
